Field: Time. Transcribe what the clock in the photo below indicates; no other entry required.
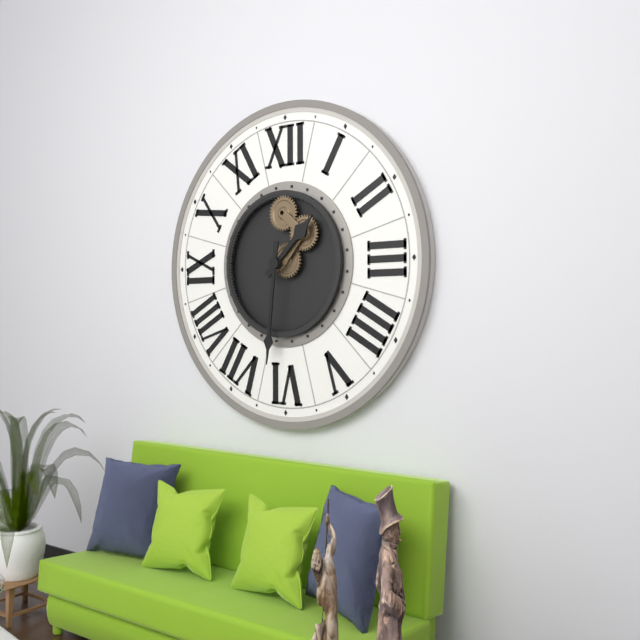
1:31
